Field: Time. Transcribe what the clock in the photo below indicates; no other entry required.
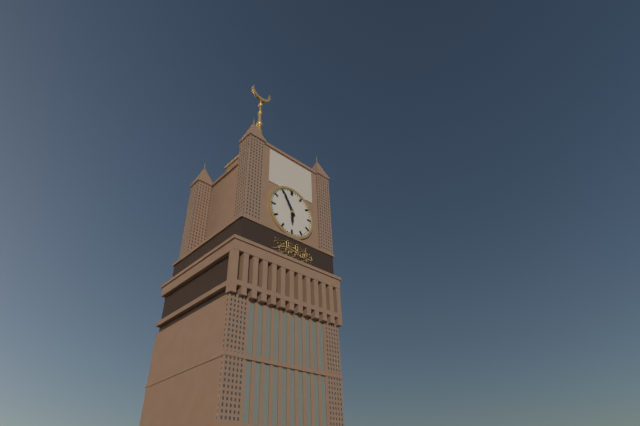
5:55
